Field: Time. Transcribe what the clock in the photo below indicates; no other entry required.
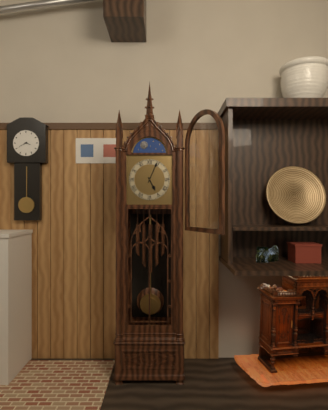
5:04
